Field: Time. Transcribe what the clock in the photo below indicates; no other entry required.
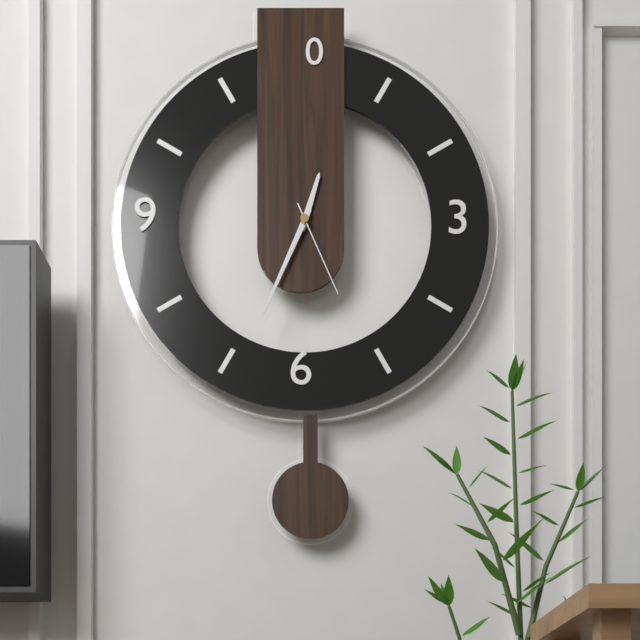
12:34:26
